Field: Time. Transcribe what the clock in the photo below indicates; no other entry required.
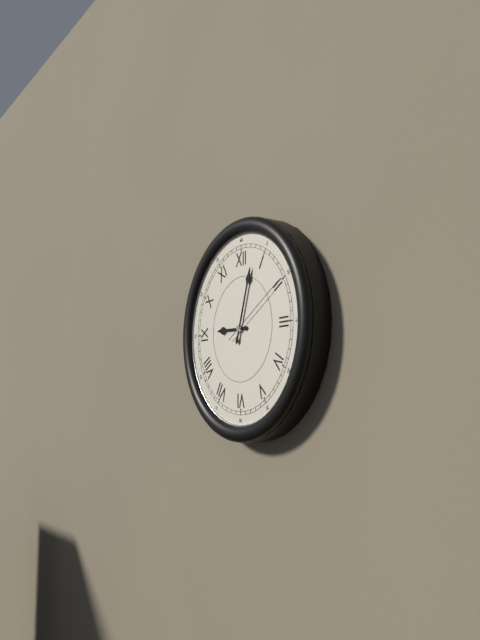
9:03:10
